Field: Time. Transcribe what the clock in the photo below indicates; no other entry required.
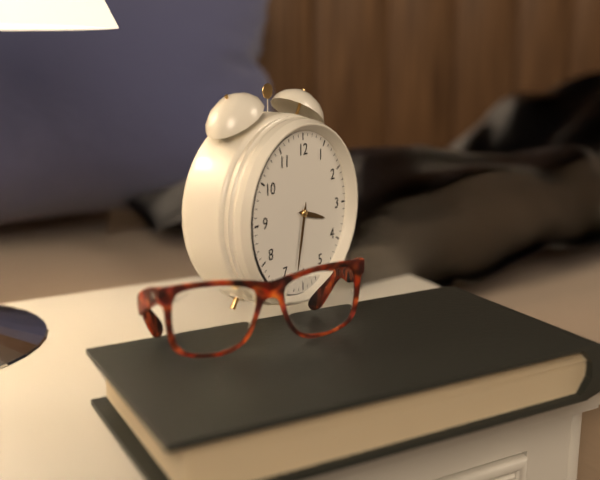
3:32
